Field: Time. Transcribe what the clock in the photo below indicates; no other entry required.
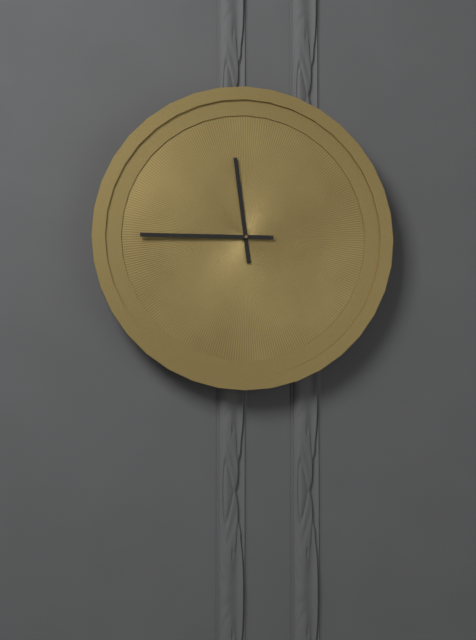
11:45
